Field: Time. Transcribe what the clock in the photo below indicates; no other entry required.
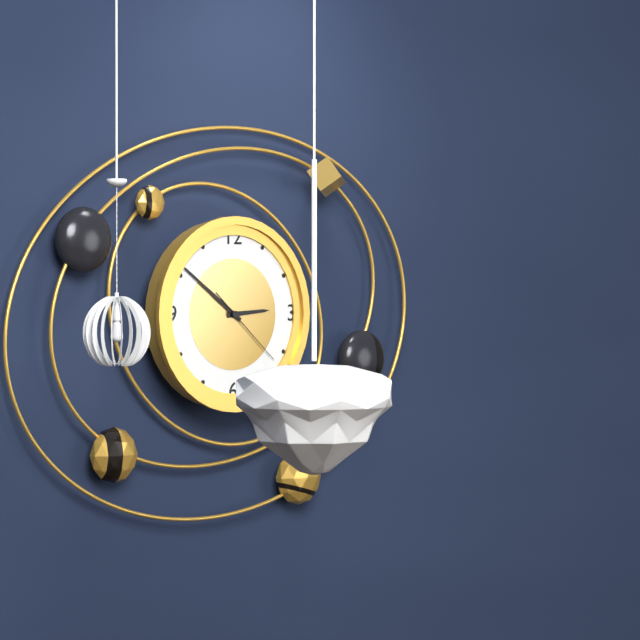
2:51:22
